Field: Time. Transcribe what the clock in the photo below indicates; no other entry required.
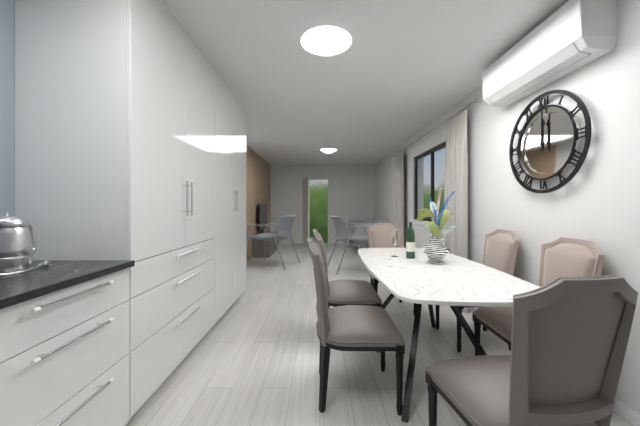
12:00
